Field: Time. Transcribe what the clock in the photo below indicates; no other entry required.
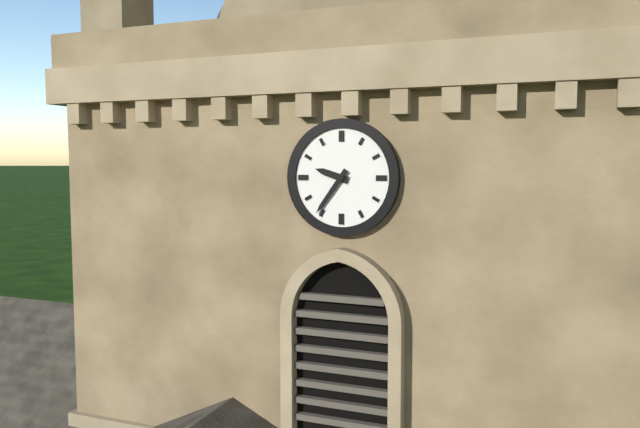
9:36
